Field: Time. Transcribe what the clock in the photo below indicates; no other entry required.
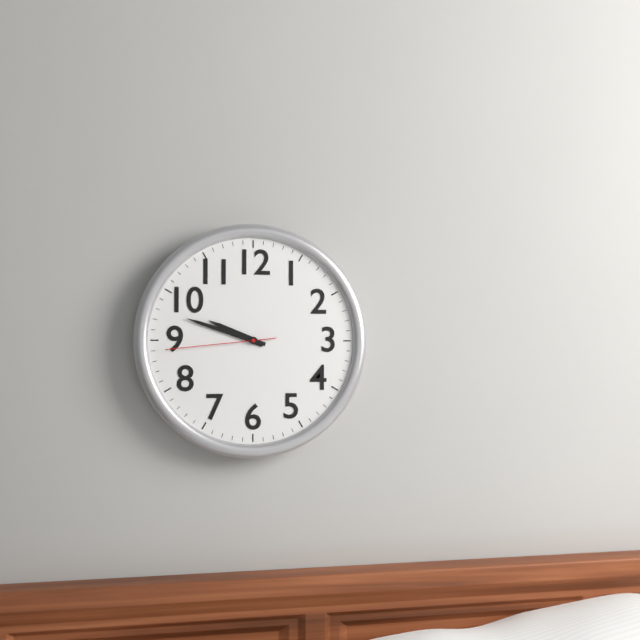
9:48:44
